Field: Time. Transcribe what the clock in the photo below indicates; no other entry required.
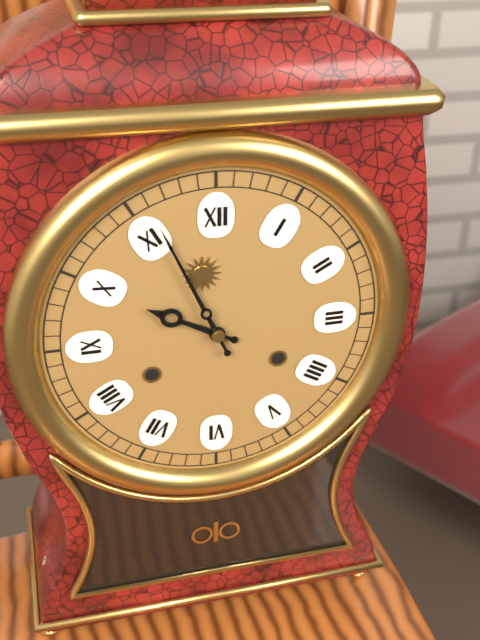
9:56
